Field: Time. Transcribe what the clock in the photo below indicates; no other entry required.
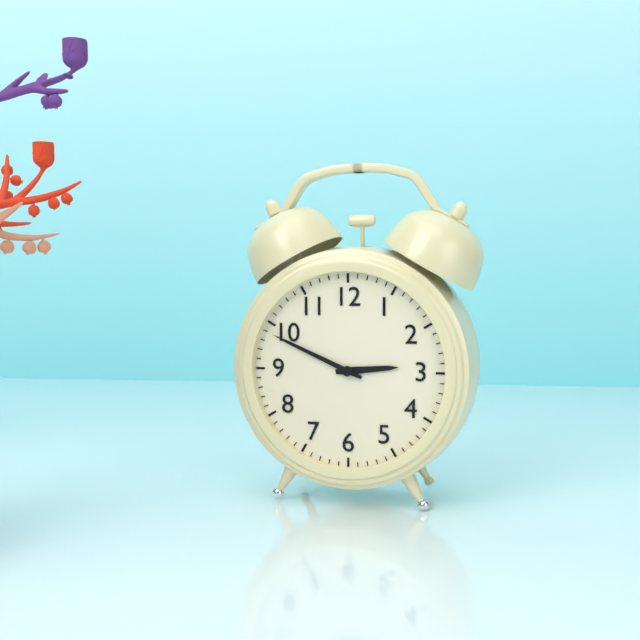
2:49
